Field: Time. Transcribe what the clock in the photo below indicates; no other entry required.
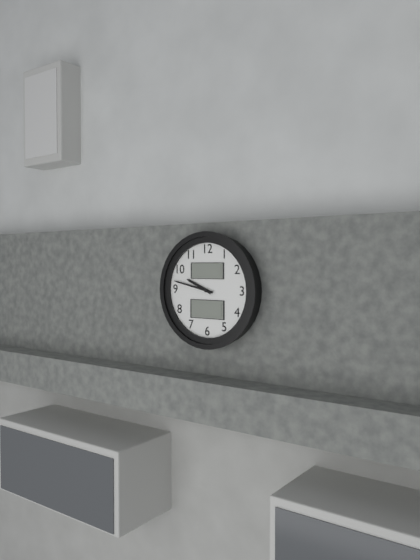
9:47
